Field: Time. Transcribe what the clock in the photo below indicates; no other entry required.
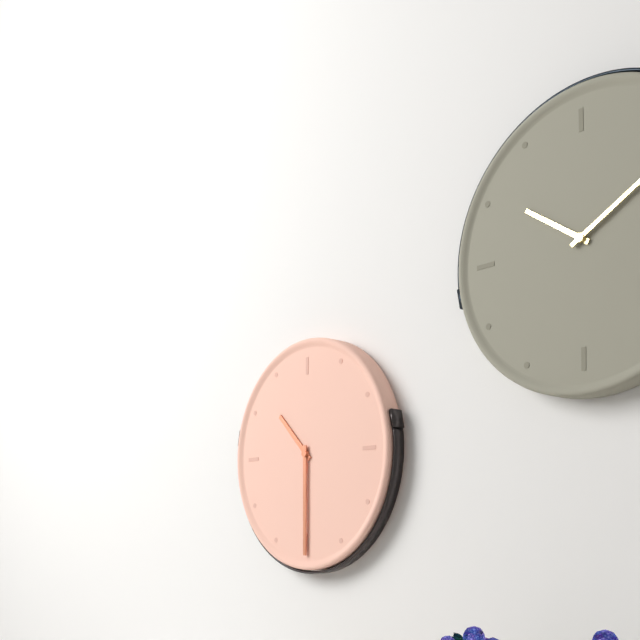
10:30
